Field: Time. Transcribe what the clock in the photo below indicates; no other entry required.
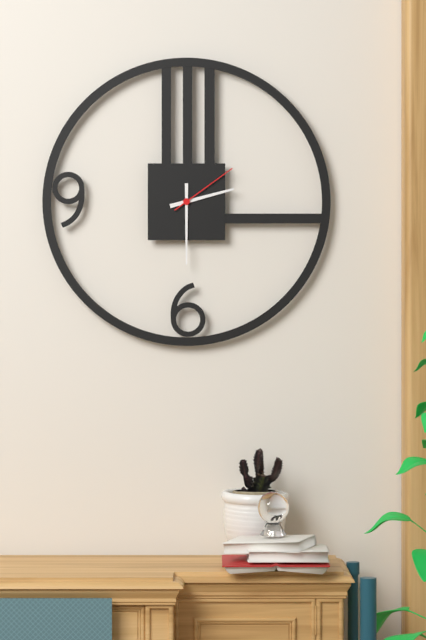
2:30:09
